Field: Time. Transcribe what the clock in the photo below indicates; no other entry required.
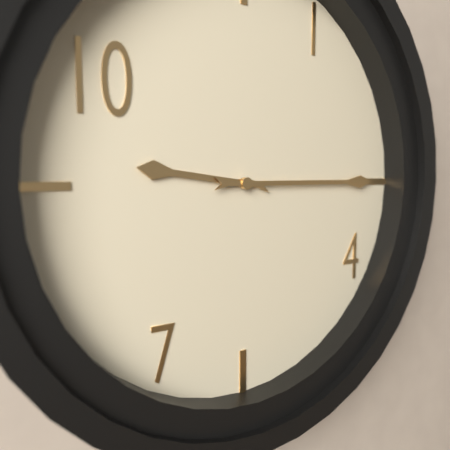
9:15
